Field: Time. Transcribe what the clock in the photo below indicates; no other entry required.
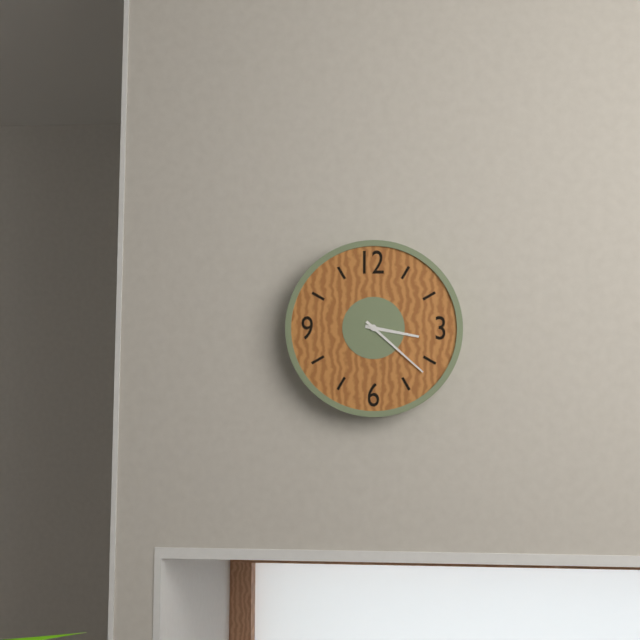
3:22
